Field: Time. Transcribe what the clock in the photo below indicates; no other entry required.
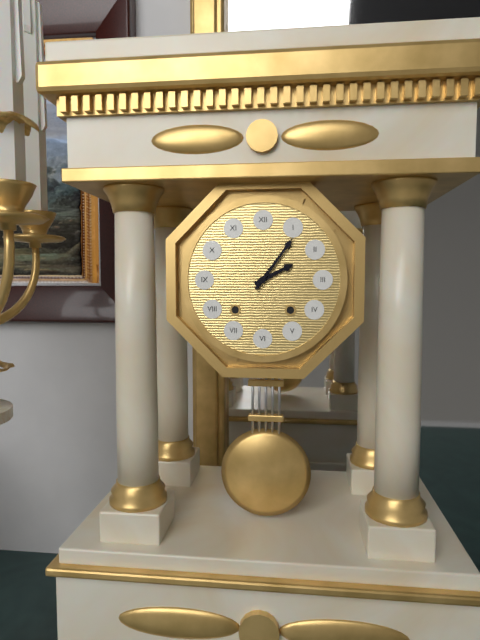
2:06
